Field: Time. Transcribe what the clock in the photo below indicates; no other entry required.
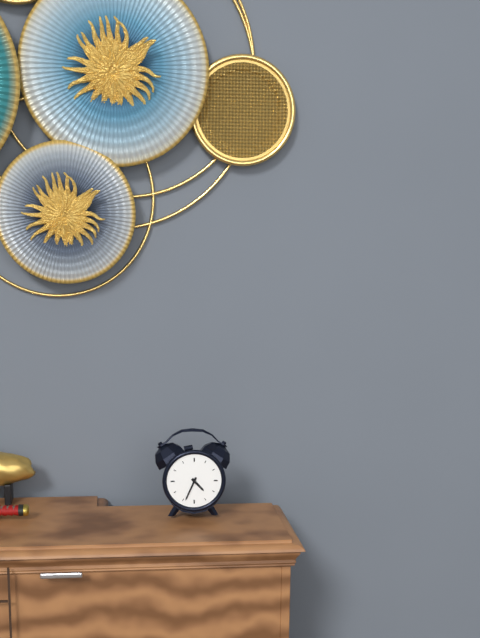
4:34
